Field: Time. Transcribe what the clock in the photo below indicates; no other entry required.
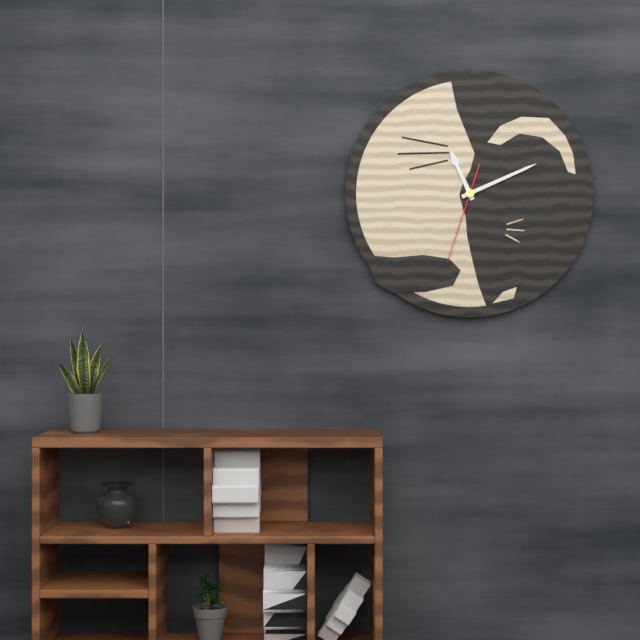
11:11:33
